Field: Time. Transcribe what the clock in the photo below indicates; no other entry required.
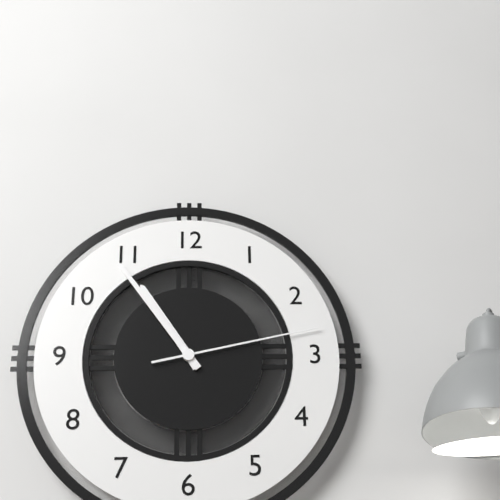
10:54:13
